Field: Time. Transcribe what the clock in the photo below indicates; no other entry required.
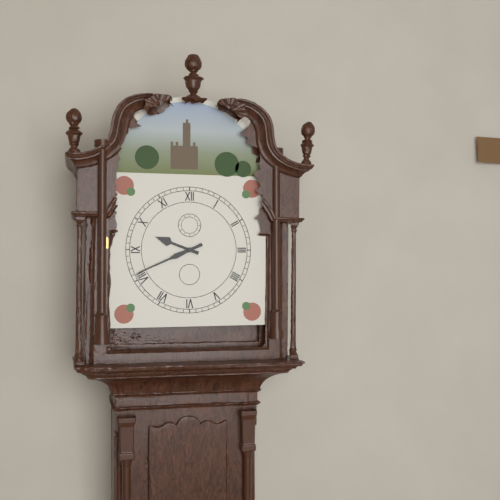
9:41
